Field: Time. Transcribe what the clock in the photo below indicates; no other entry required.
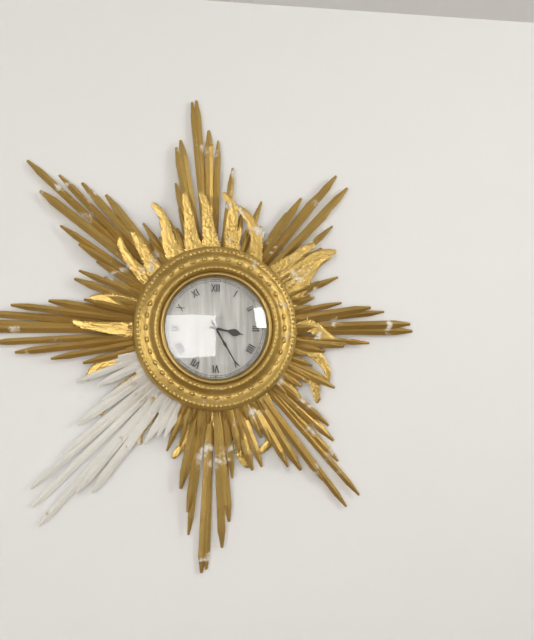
3:25
